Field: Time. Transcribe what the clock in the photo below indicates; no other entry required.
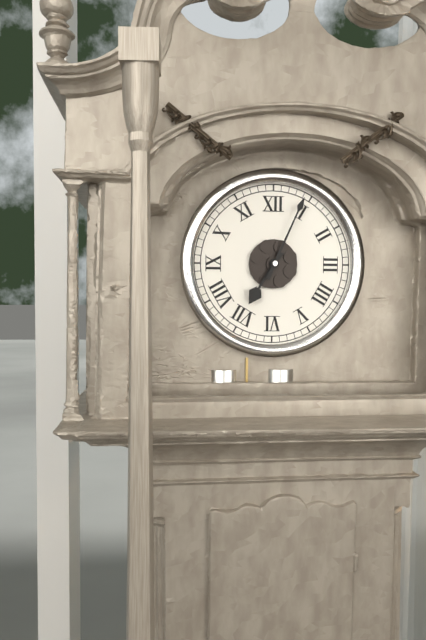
7:04
